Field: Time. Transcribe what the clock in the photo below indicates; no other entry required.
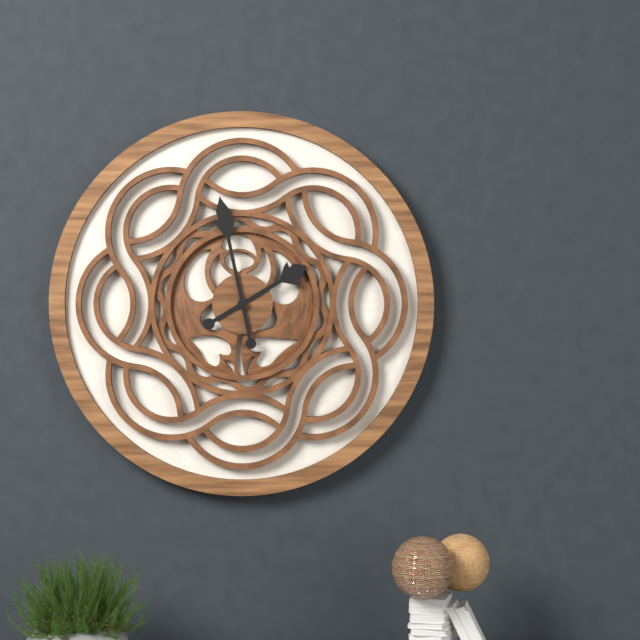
1:58
